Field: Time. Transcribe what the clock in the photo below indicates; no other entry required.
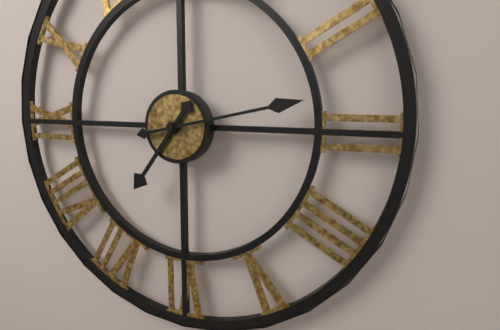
7:13
